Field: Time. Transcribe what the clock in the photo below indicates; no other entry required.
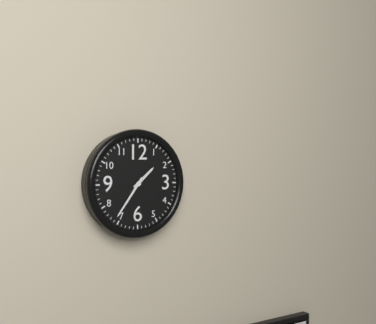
1:36
